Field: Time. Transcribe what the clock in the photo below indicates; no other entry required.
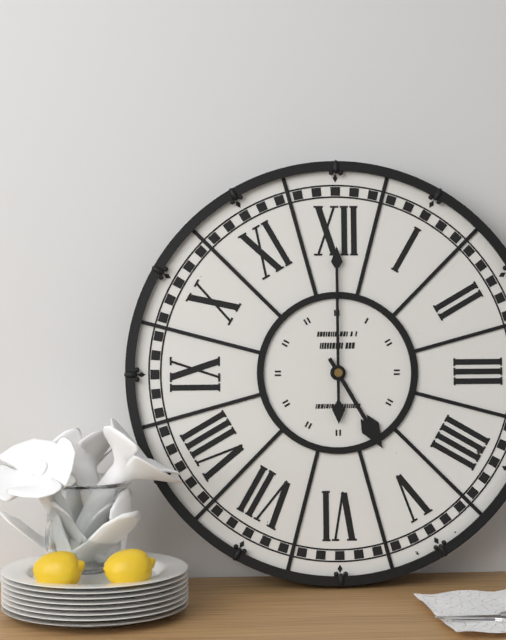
5:00
